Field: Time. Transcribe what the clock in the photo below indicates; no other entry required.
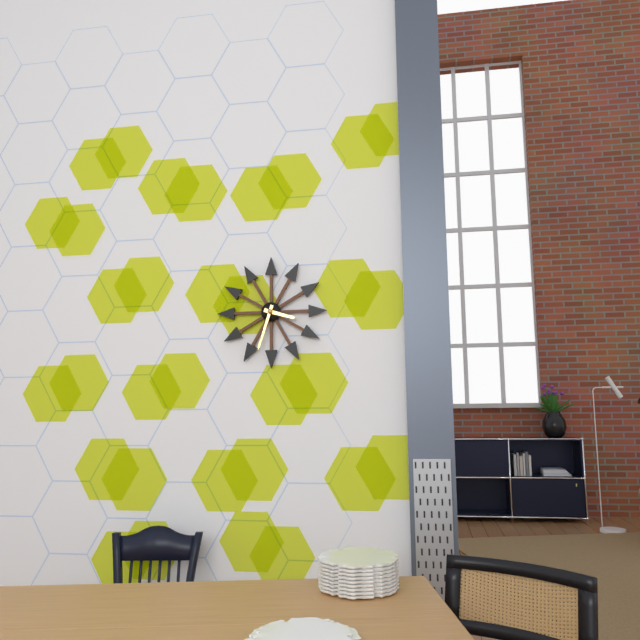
3:33
